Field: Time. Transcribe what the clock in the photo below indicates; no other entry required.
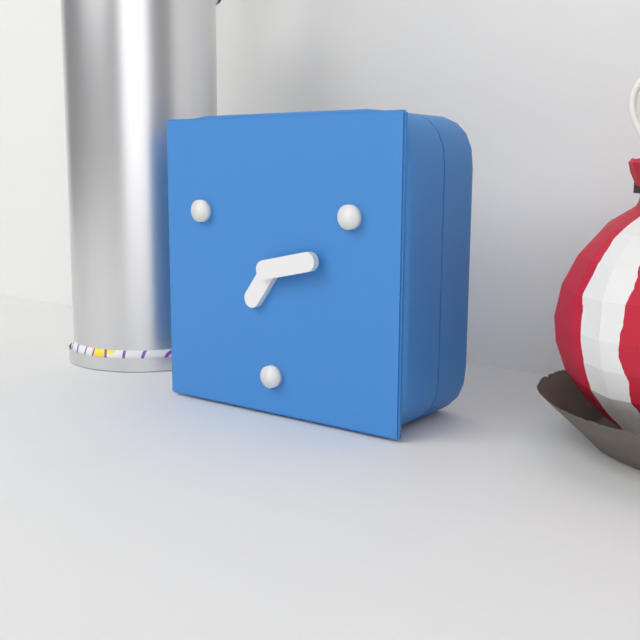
7:13
